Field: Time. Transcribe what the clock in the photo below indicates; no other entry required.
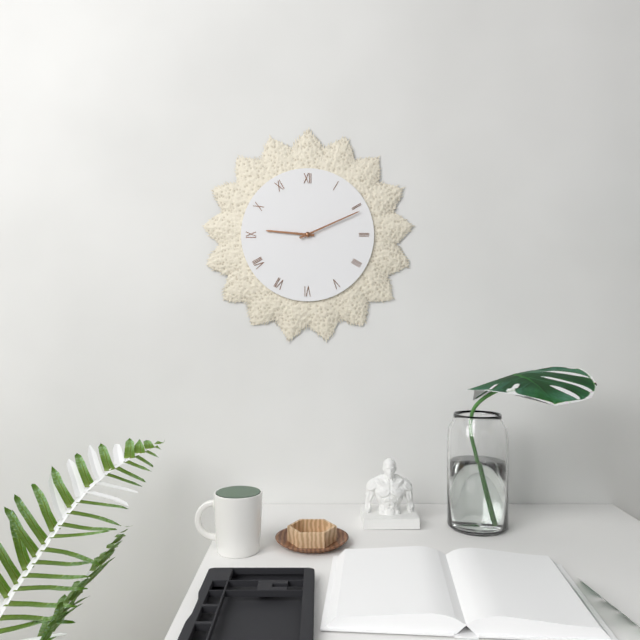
9:11
